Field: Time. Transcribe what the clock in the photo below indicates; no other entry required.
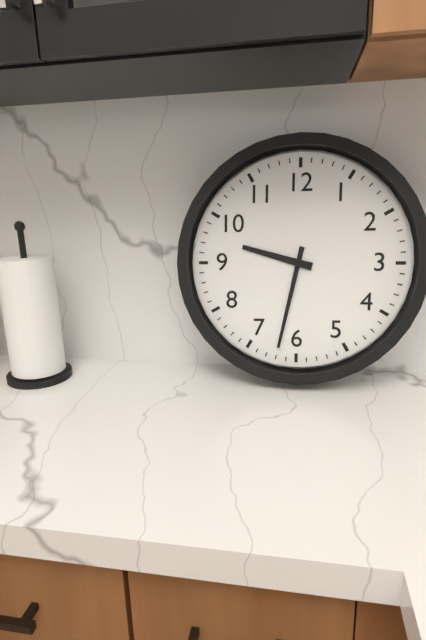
9:32
